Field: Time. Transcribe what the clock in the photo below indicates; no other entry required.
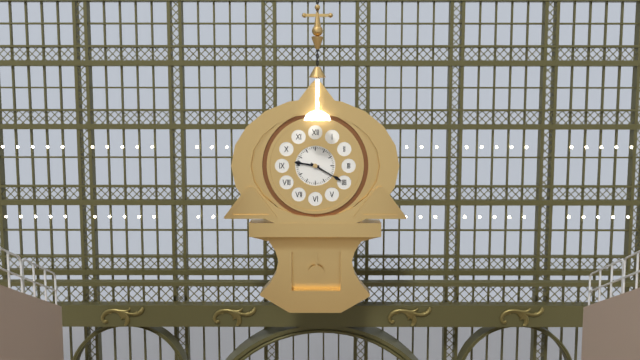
9:20
